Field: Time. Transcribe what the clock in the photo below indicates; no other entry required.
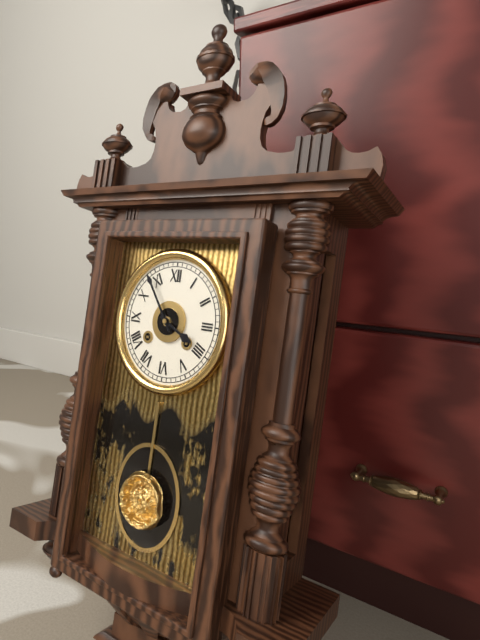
3:54
